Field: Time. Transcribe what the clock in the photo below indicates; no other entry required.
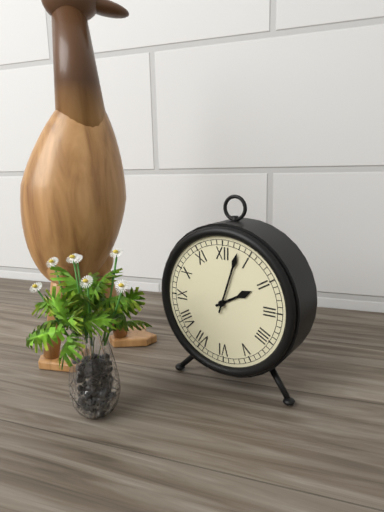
2:03
